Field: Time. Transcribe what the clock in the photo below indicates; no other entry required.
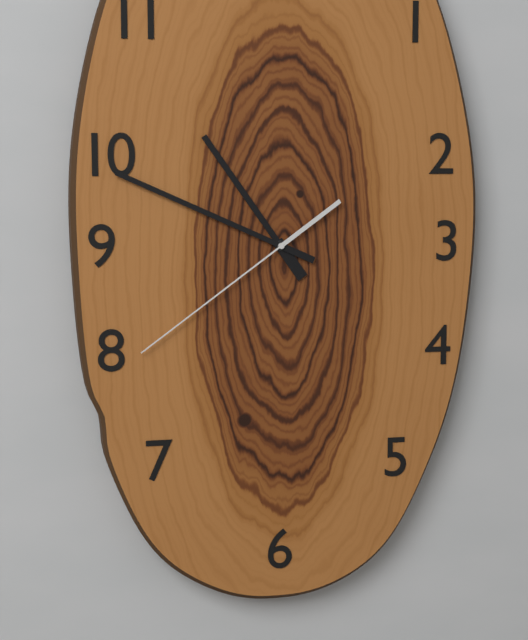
10:49:39
